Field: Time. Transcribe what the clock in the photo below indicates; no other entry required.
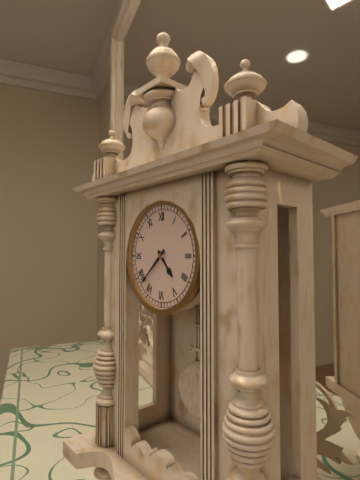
4:38
